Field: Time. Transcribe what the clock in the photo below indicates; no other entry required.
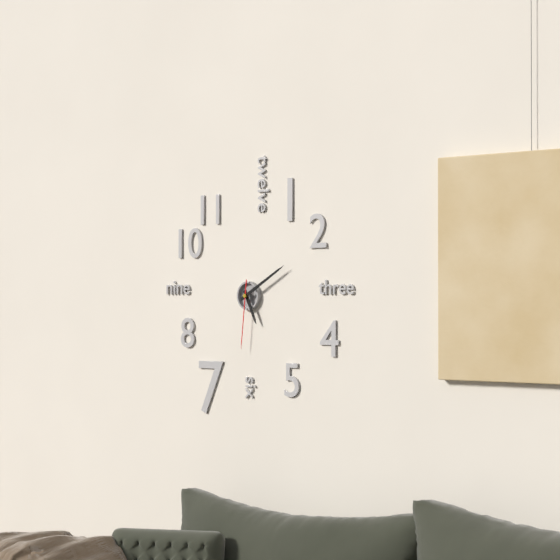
5:10:31
